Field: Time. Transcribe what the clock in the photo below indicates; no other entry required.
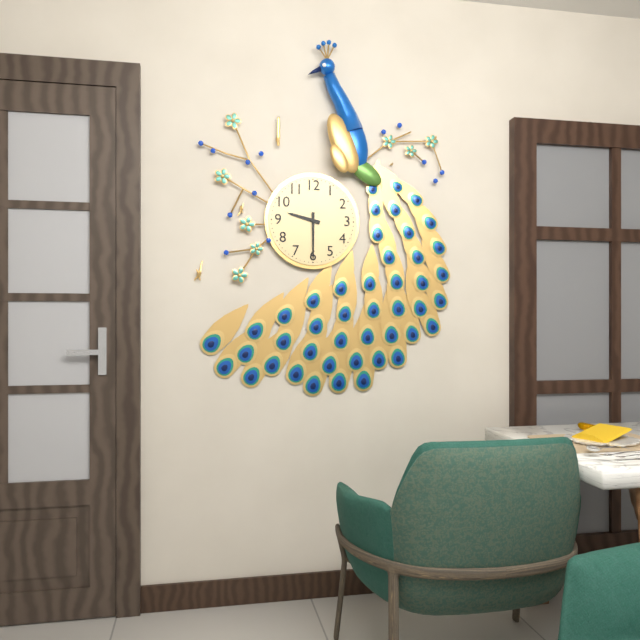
9:30
